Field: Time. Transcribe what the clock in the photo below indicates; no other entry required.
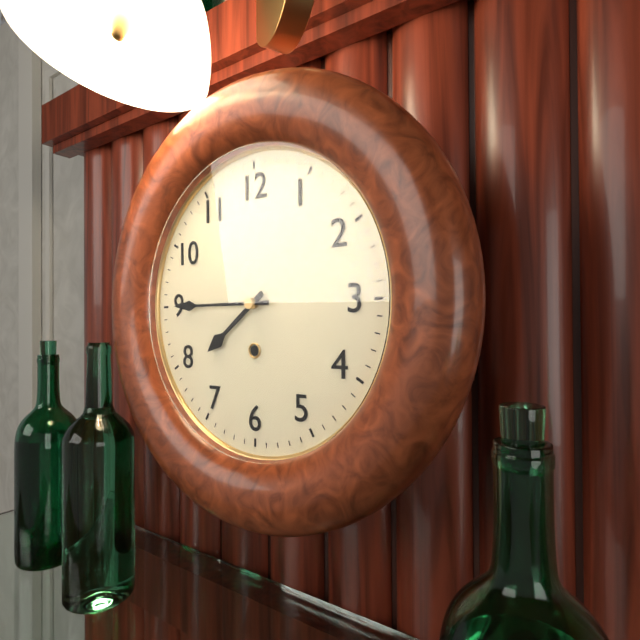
7:45
